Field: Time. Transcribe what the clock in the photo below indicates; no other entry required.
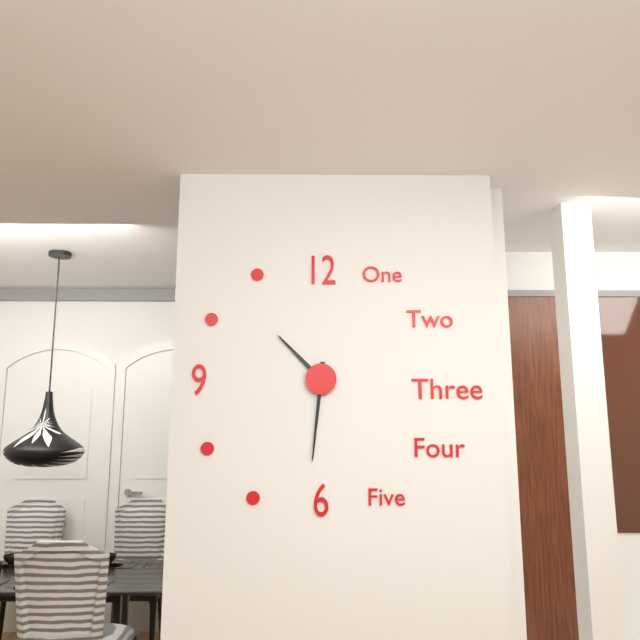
10:31
